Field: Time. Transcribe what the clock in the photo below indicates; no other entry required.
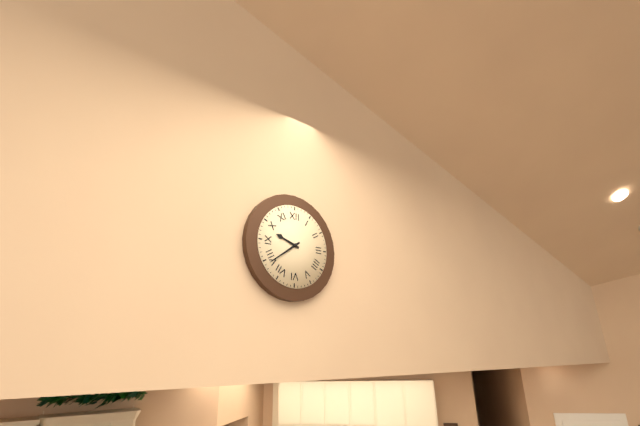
9:39
